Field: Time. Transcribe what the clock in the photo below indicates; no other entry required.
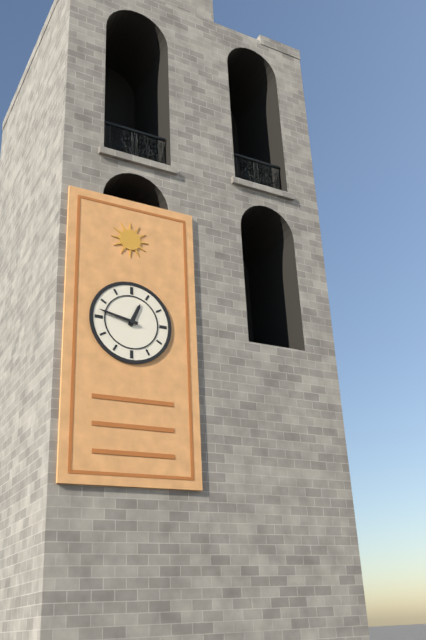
12:47
